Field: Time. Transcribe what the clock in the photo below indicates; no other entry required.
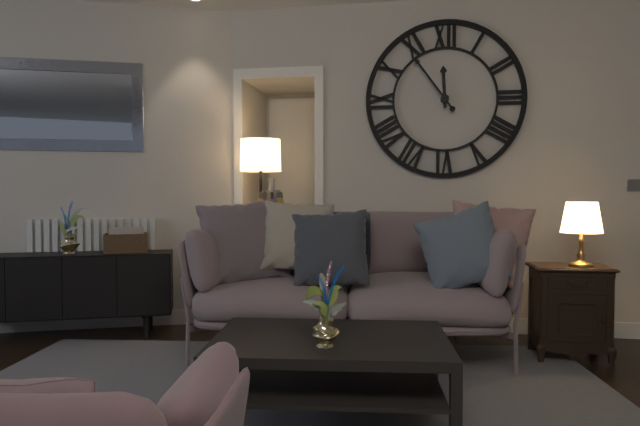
11:54
